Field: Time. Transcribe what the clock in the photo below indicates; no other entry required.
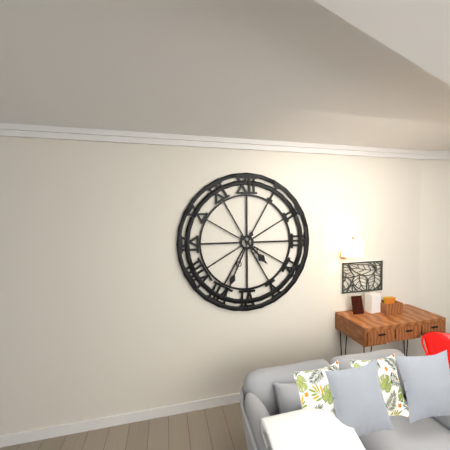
4:34
